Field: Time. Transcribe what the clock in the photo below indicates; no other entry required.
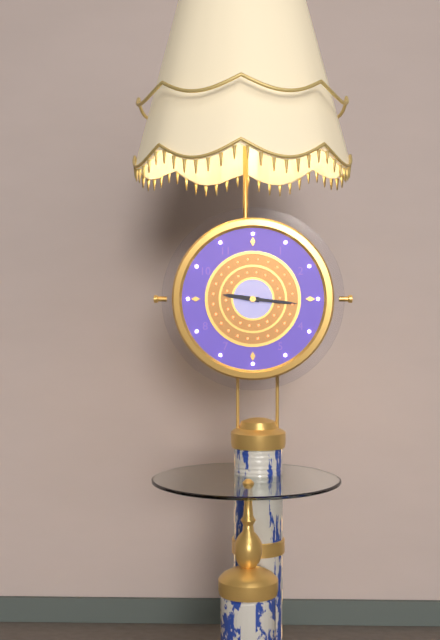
9:16
